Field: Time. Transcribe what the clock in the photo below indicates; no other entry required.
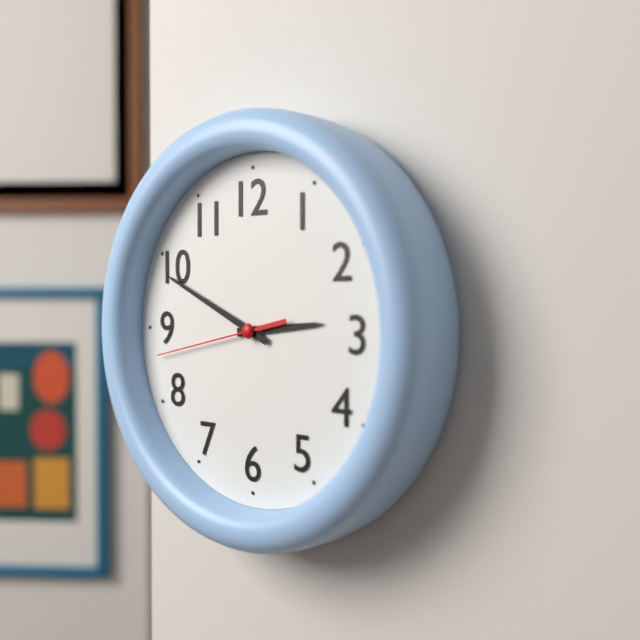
2:49:43
